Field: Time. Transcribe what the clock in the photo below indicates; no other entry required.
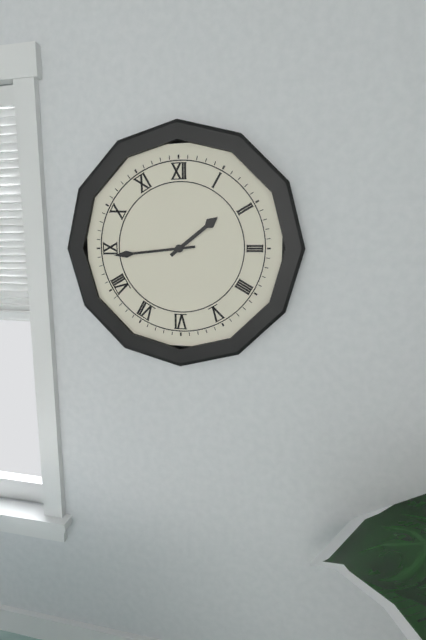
1:44
